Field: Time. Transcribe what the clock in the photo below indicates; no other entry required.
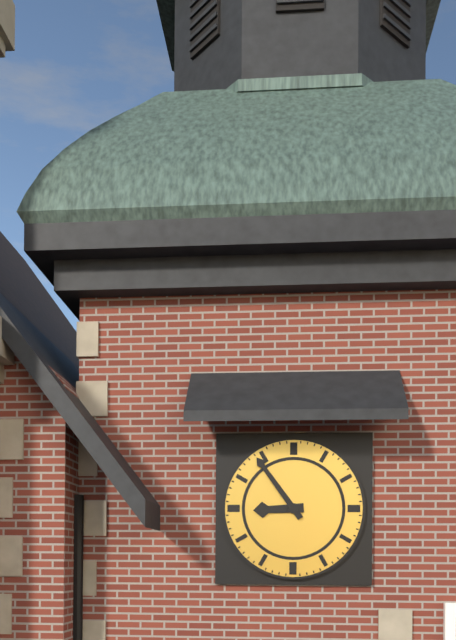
8:54
